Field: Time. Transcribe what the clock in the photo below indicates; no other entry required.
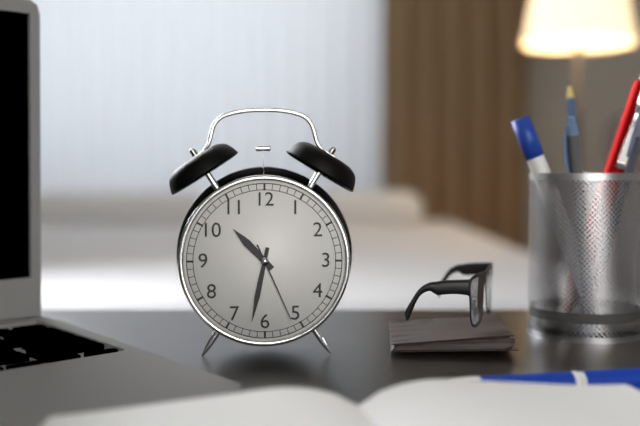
10:32:26
